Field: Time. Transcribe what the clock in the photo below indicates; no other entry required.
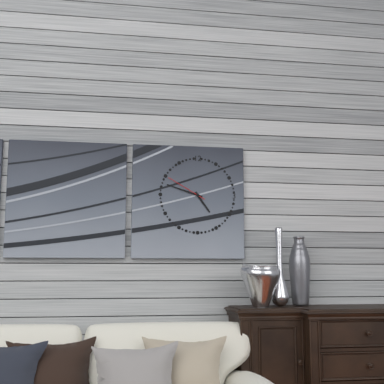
4:48
